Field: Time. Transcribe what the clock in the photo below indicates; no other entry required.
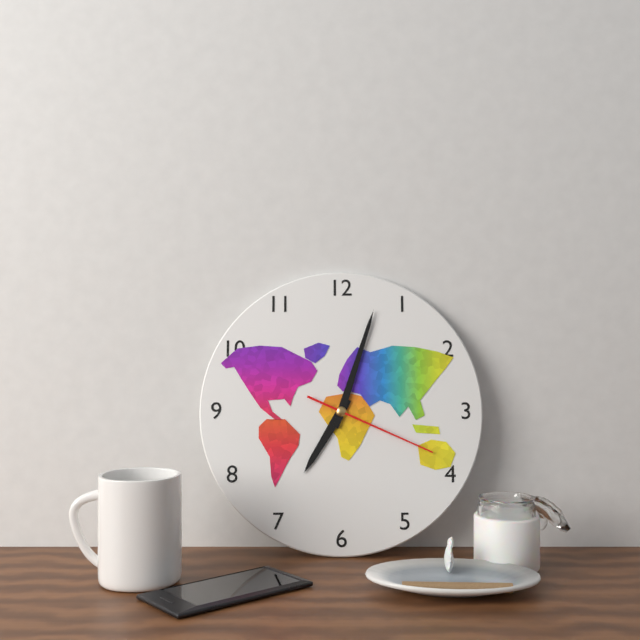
7:03:19
